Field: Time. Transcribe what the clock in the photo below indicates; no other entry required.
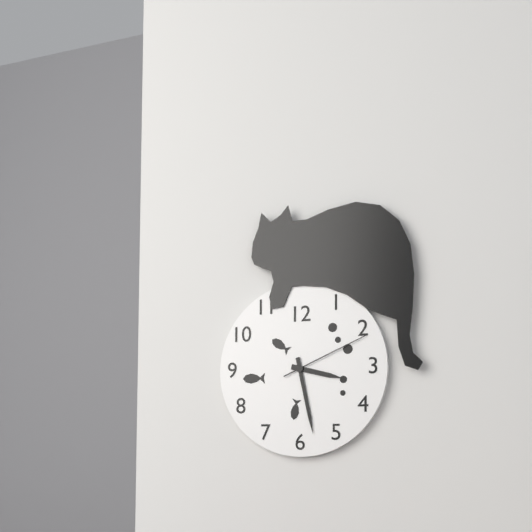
3:28:11
